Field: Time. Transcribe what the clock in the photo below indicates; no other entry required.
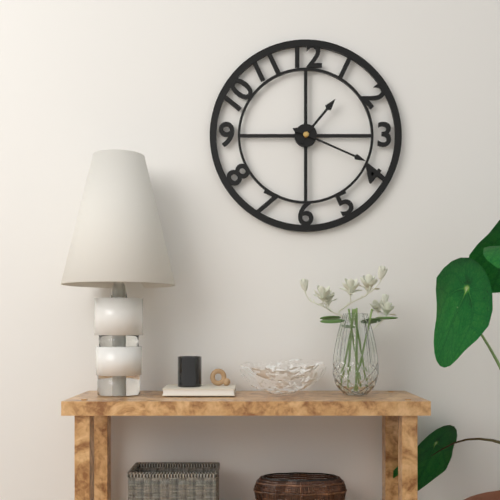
1:19
